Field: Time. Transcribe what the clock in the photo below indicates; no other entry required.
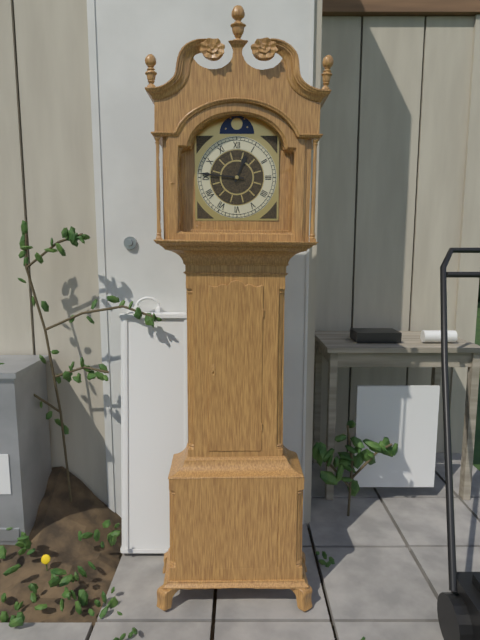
12:46
